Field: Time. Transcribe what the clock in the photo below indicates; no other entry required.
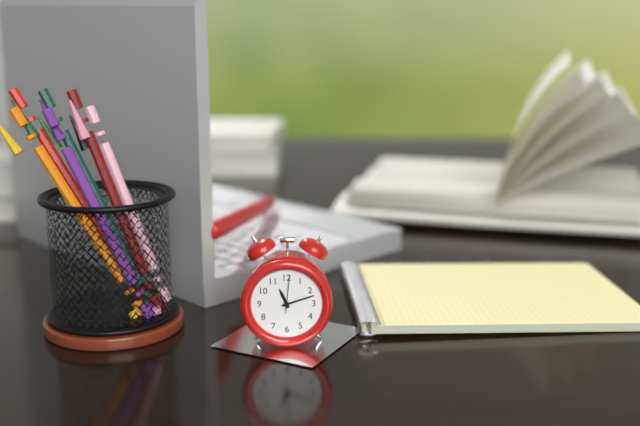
11:12
